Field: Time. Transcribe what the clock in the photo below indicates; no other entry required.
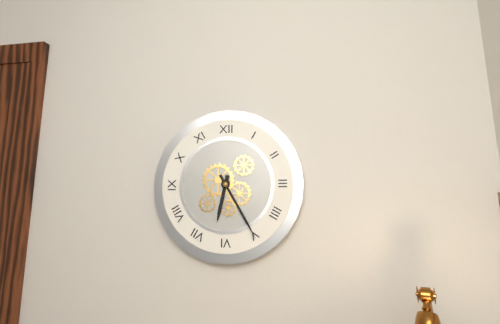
6:25
